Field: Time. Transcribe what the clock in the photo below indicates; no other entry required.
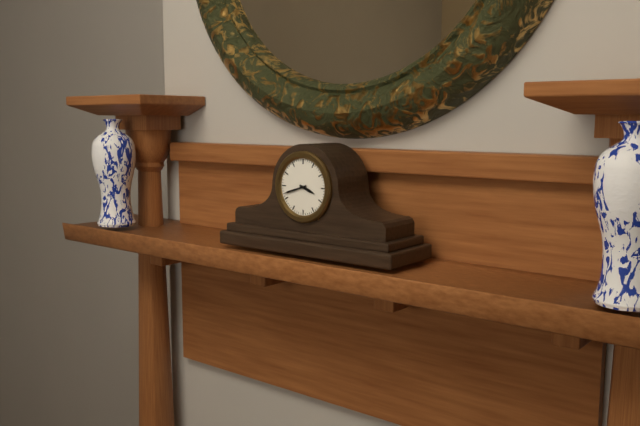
3:42
